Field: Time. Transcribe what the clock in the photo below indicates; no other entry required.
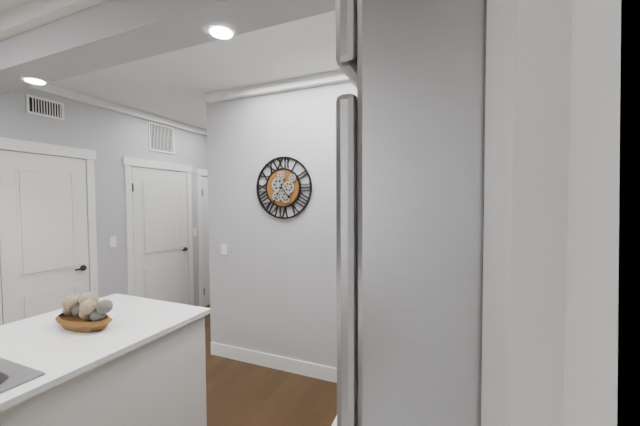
4:35
